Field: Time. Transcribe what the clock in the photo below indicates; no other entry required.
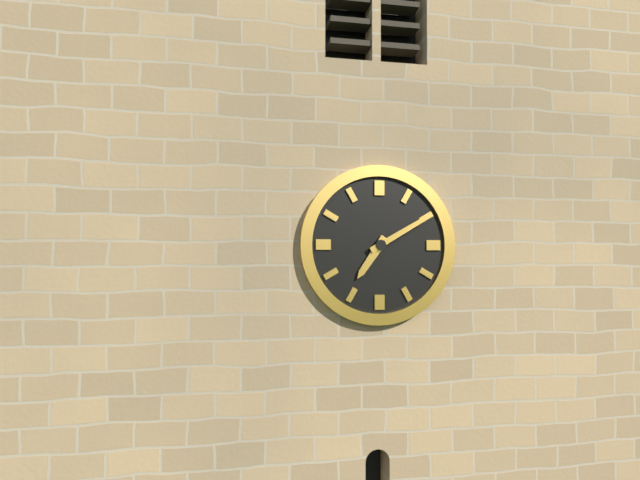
7:10
